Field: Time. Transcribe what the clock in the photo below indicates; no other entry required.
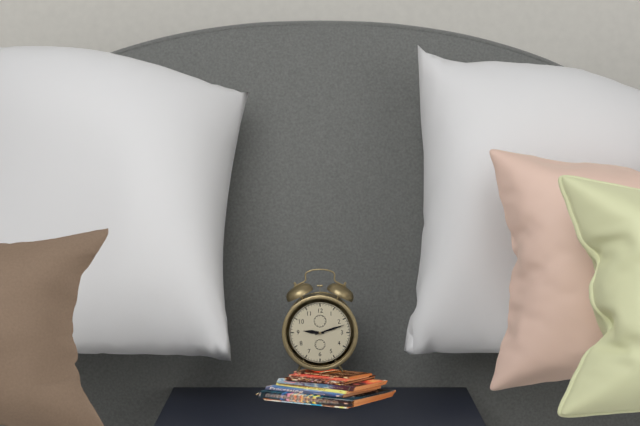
9:12
